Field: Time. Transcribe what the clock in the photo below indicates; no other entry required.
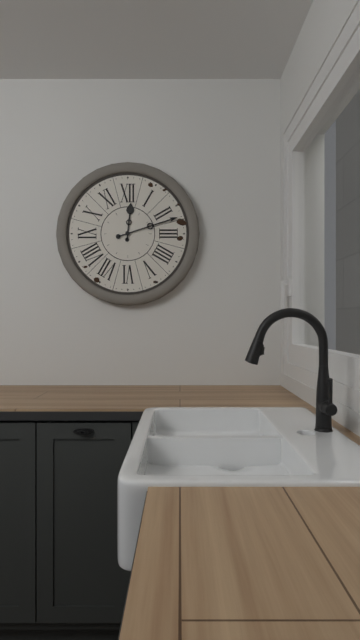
12:12
